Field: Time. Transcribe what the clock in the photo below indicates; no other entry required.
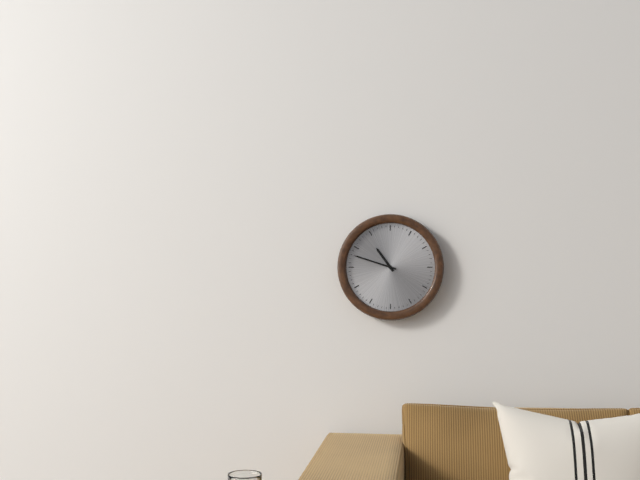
10:48
